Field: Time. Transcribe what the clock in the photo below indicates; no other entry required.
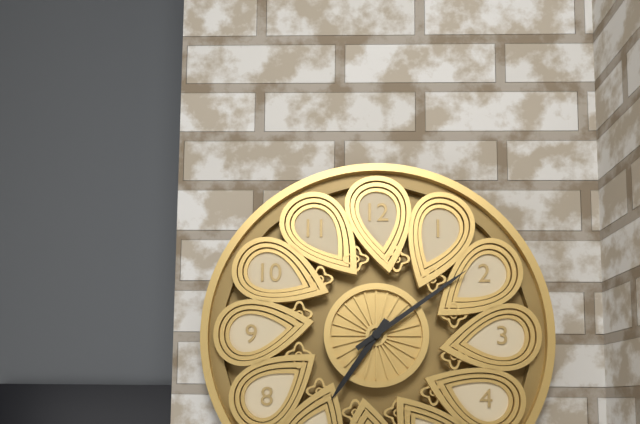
7:09
